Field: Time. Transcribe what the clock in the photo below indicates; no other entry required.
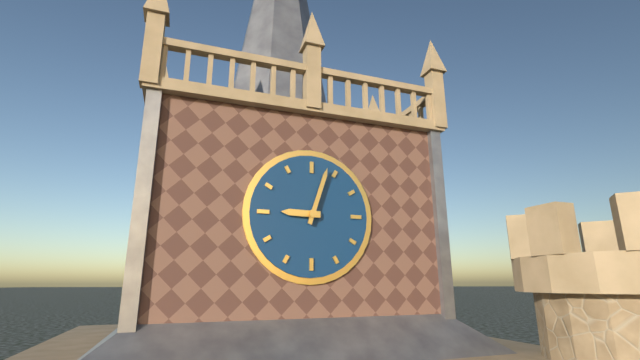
9:03
